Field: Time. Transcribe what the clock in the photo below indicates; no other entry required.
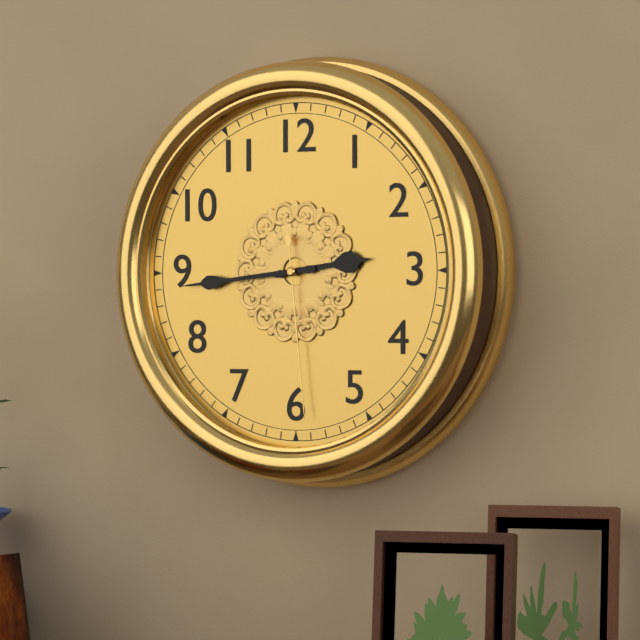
2:44:29
